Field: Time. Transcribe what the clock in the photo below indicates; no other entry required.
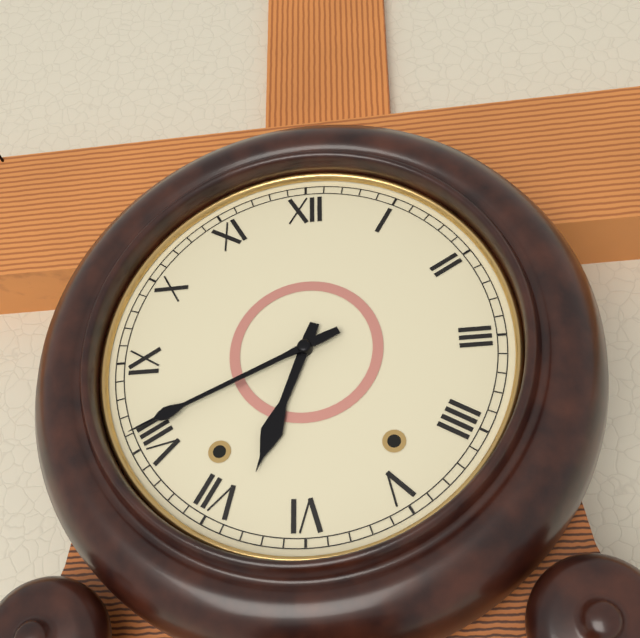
6:41
